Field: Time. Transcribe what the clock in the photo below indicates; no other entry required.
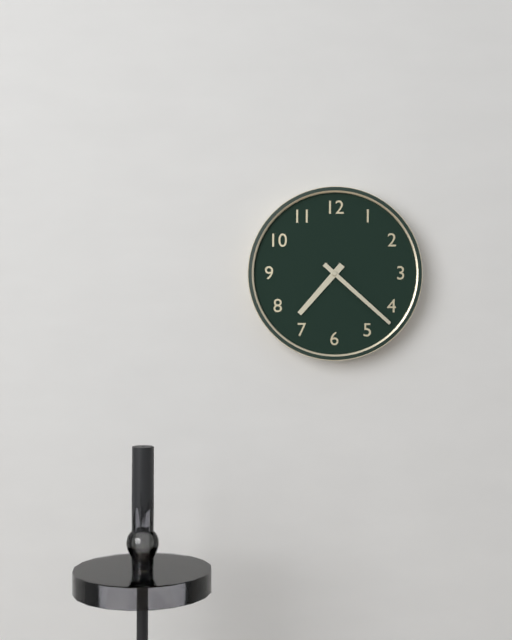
7:22
